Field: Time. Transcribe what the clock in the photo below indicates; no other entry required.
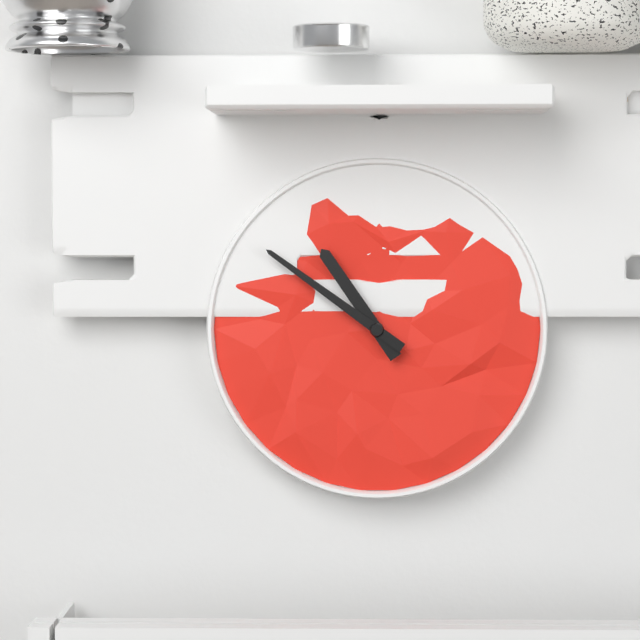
10:51
